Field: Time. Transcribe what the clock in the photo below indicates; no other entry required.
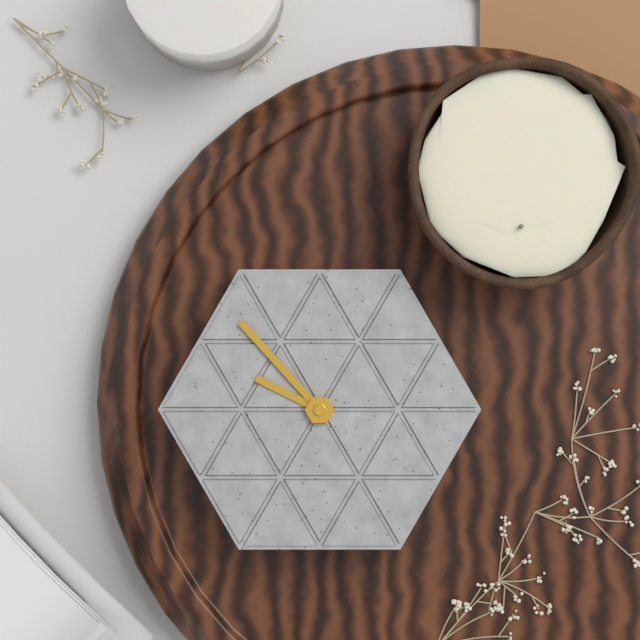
9:53
